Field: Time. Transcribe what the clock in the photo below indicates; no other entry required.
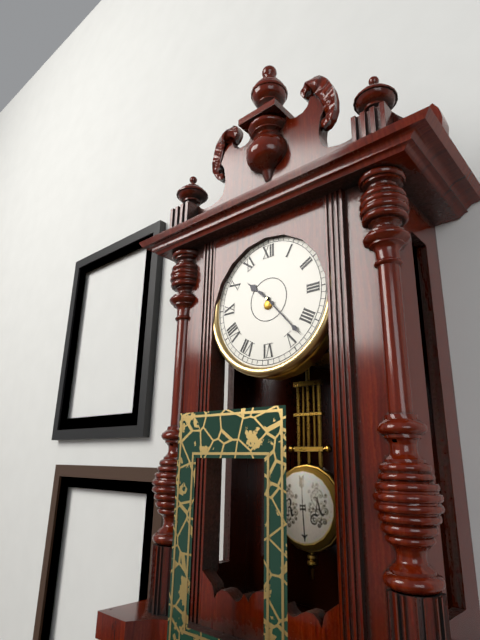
10:23
